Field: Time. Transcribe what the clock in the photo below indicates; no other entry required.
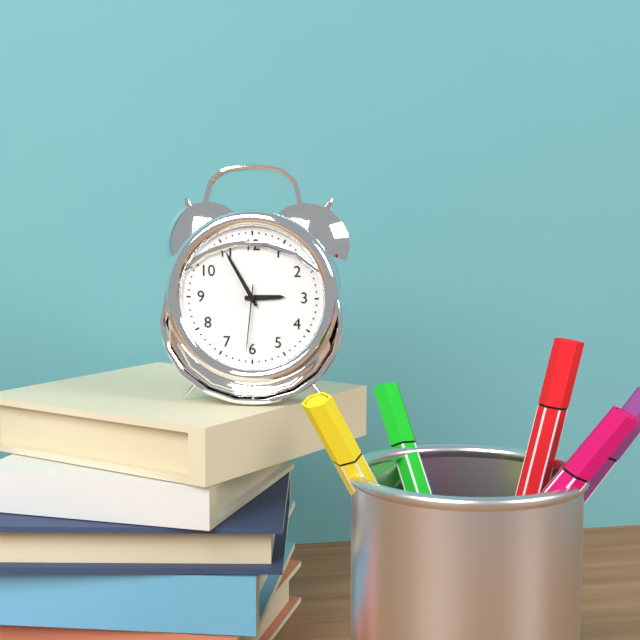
2:55:31
